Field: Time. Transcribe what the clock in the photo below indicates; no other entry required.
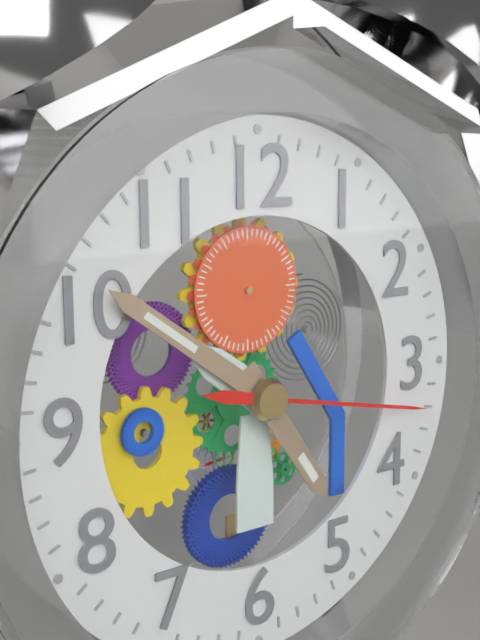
4:51:17
